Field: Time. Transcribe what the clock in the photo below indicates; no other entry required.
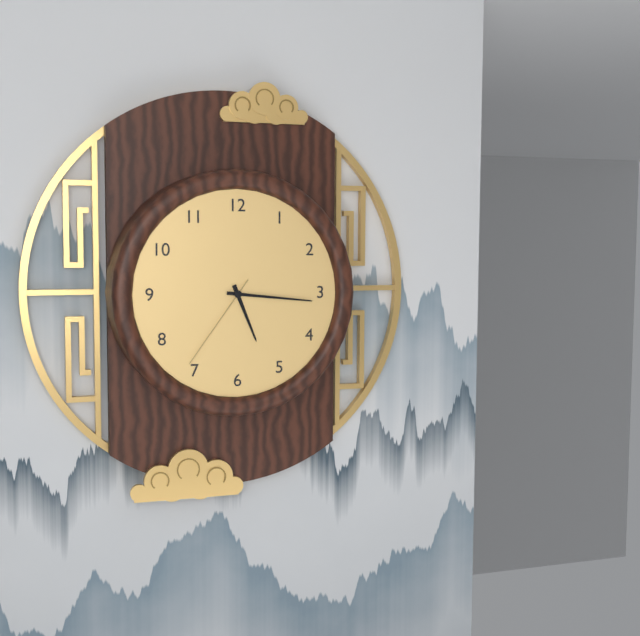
5:16:36
